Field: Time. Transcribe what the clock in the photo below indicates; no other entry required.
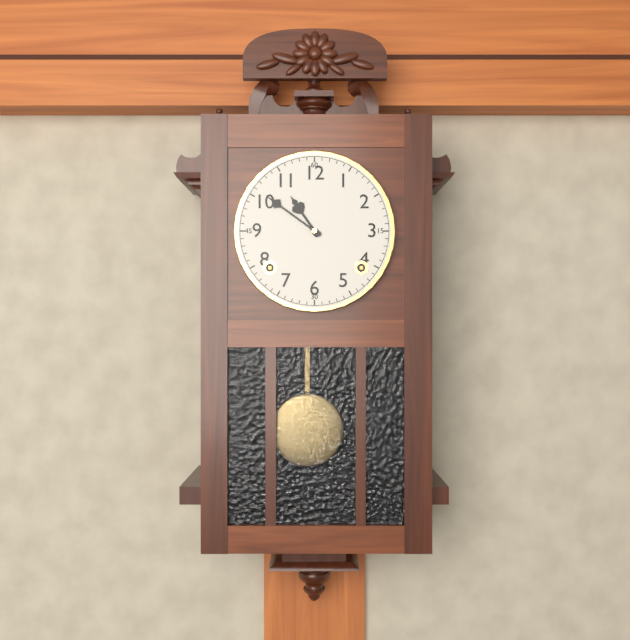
10:51
